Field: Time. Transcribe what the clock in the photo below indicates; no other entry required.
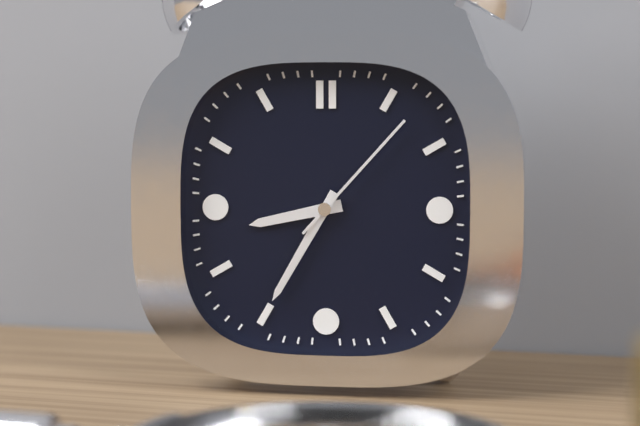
8:35:07
